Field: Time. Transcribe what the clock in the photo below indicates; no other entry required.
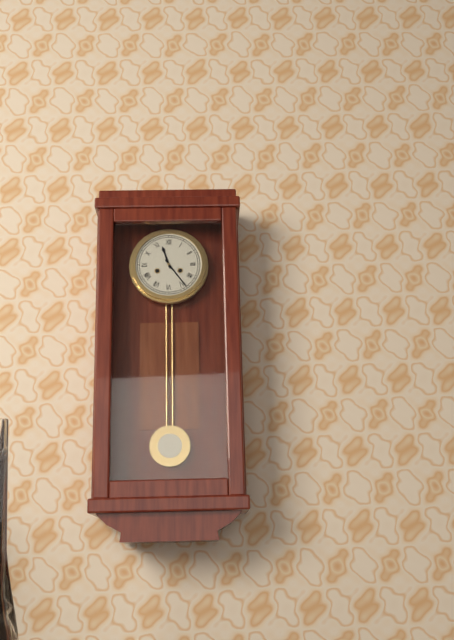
11:24
